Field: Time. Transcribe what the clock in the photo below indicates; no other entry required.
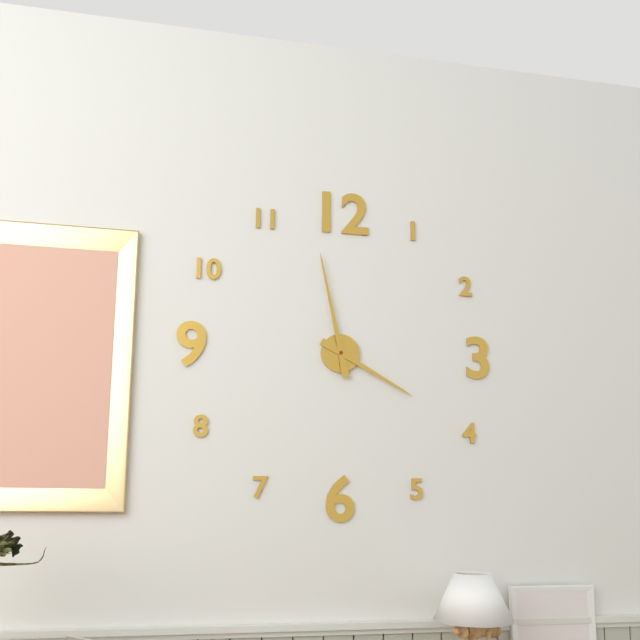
3:58
